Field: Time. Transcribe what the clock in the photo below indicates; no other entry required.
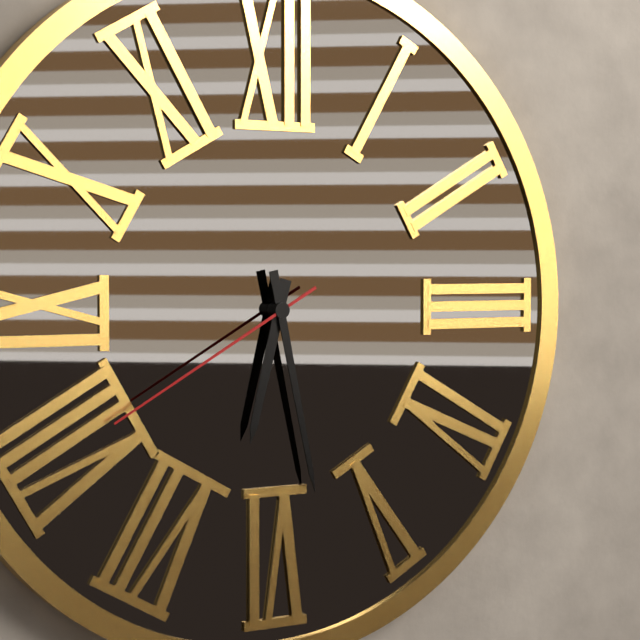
6:28:40
